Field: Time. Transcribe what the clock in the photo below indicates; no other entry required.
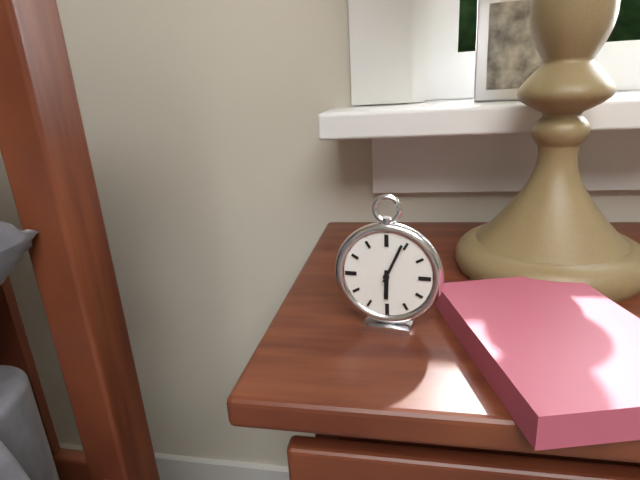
6:04
